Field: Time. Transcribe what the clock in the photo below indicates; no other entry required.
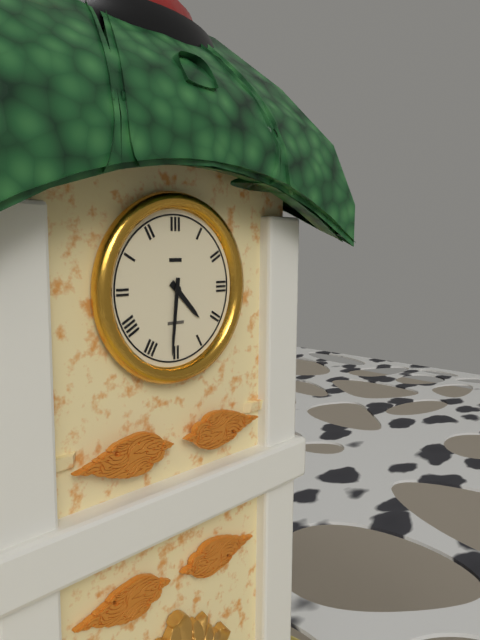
4:31
